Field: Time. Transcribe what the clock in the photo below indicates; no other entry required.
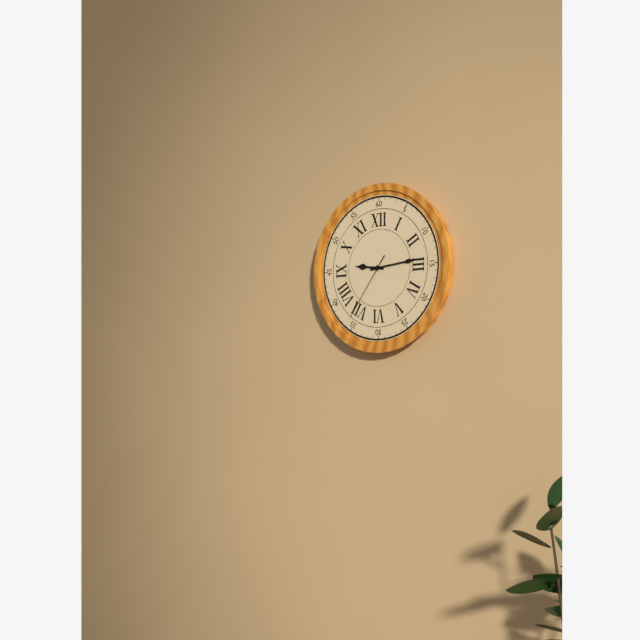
9:14:36
